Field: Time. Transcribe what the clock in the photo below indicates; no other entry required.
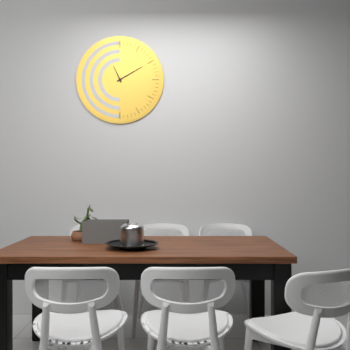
11:10
